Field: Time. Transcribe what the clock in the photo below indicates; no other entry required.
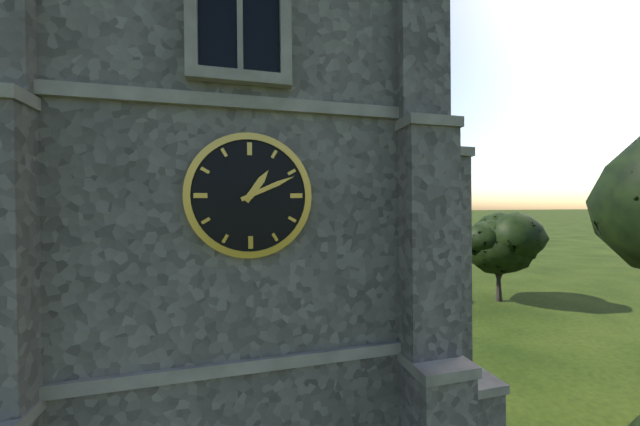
1:11
